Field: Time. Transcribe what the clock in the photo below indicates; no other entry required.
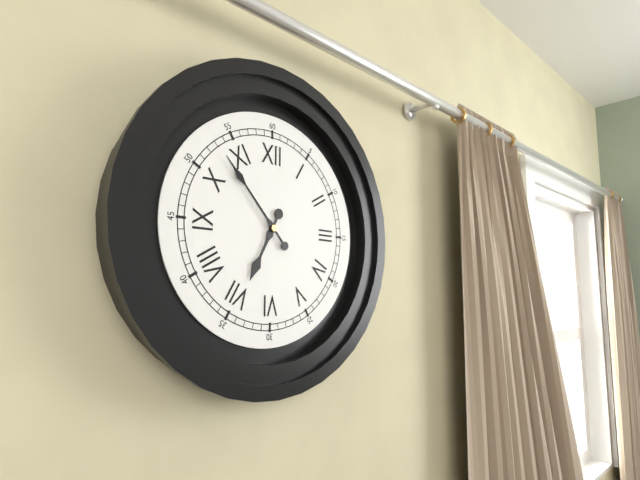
6:53
